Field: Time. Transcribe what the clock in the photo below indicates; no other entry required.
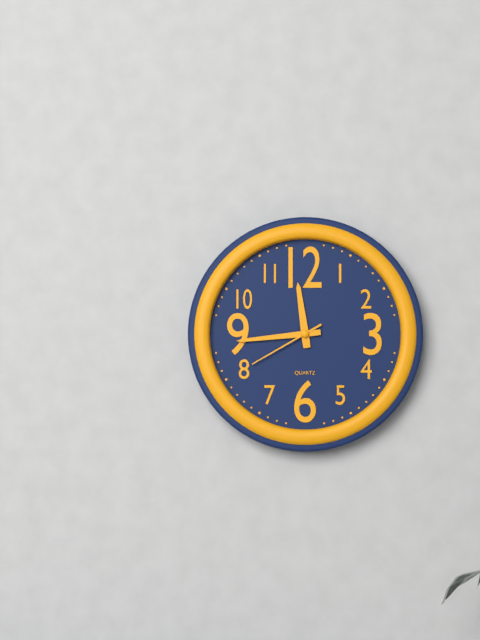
11:44:40
